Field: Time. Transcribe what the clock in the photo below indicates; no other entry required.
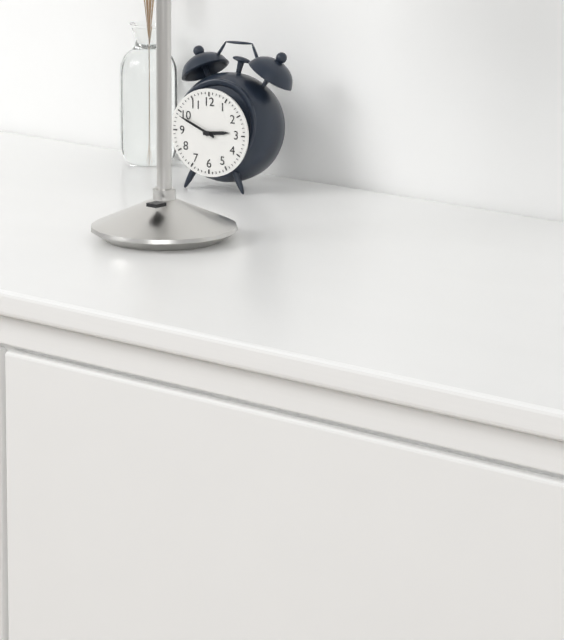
2:49
